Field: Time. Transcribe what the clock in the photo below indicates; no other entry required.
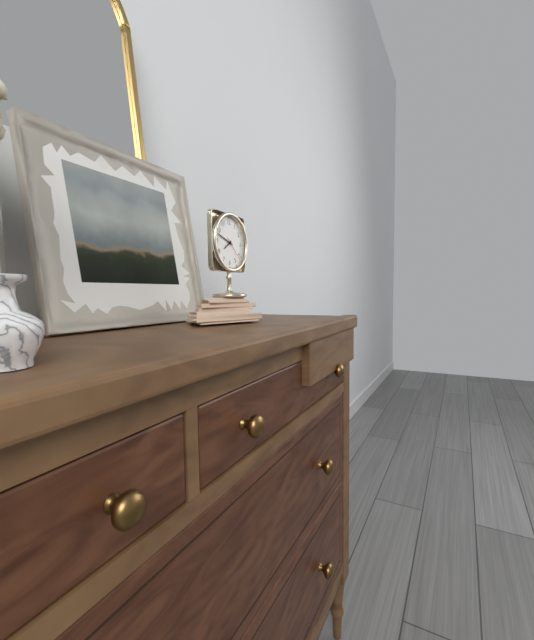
7:48
